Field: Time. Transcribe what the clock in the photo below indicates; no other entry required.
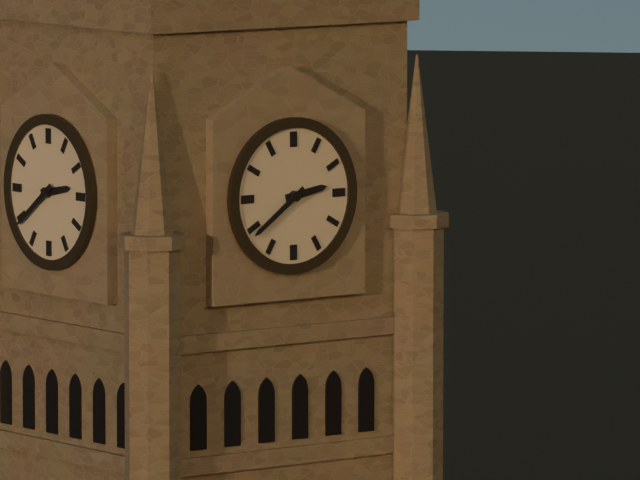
2:39
